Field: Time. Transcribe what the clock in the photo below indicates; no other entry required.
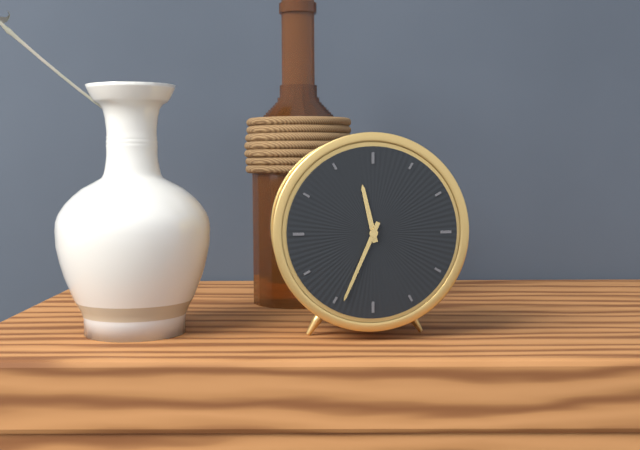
11:34
